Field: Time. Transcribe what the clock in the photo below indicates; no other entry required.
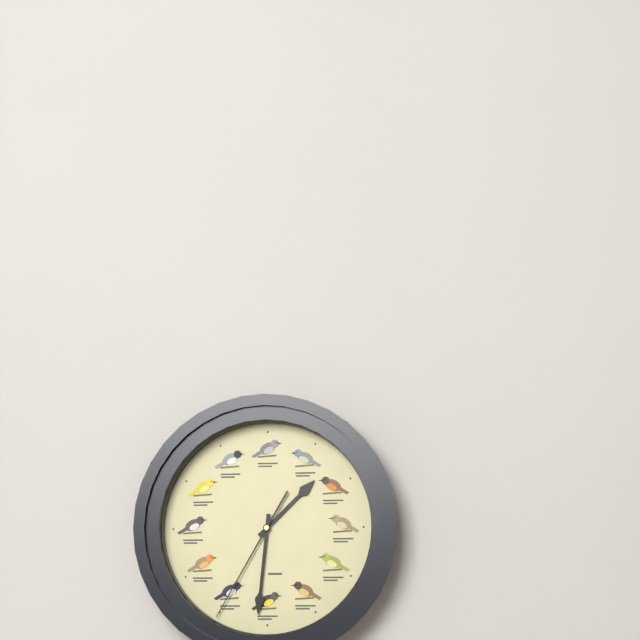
1:31:35
